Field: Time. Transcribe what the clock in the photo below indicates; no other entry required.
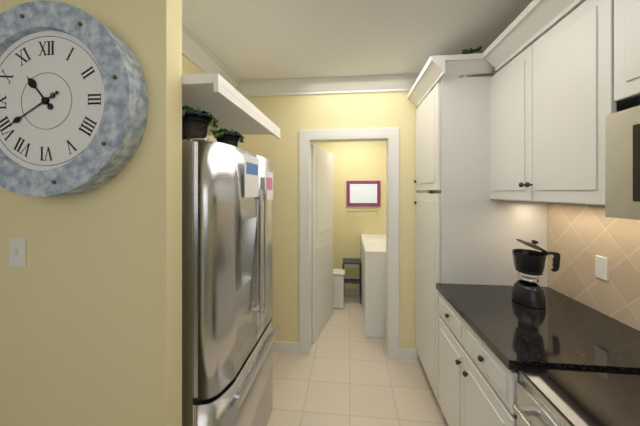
10:40
